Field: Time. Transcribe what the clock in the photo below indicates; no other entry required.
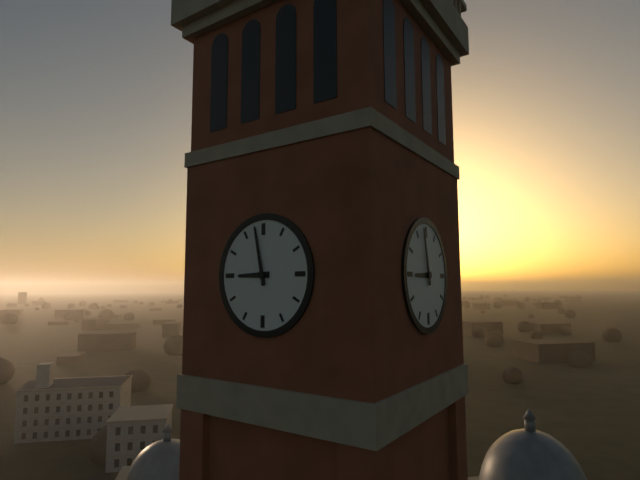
8:58
